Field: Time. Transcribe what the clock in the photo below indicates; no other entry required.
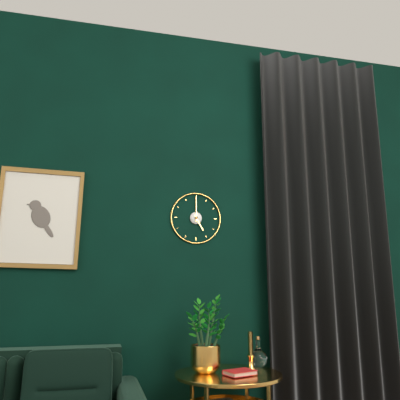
5:00
